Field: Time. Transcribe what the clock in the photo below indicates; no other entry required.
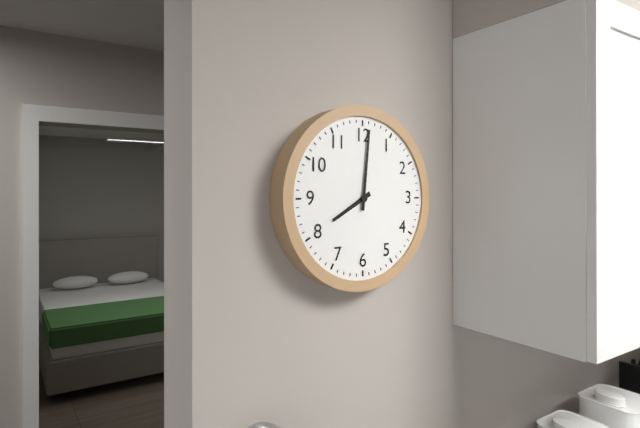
8:01
